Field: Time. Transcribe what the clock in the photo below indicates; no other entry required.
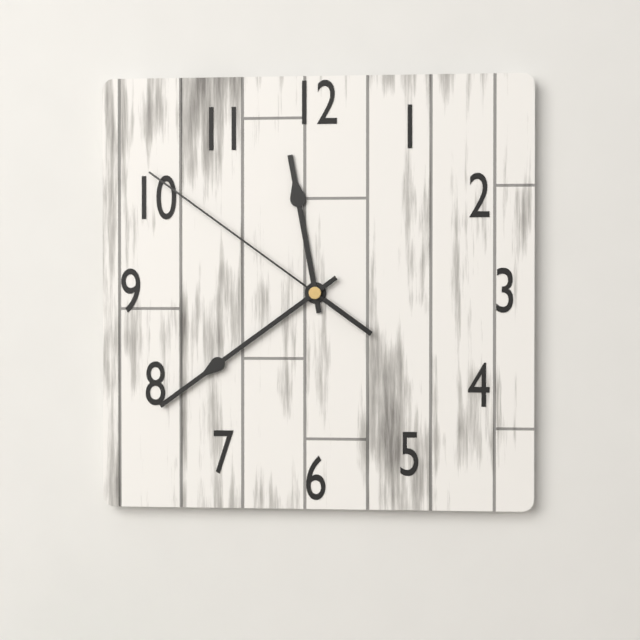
11:39:51
